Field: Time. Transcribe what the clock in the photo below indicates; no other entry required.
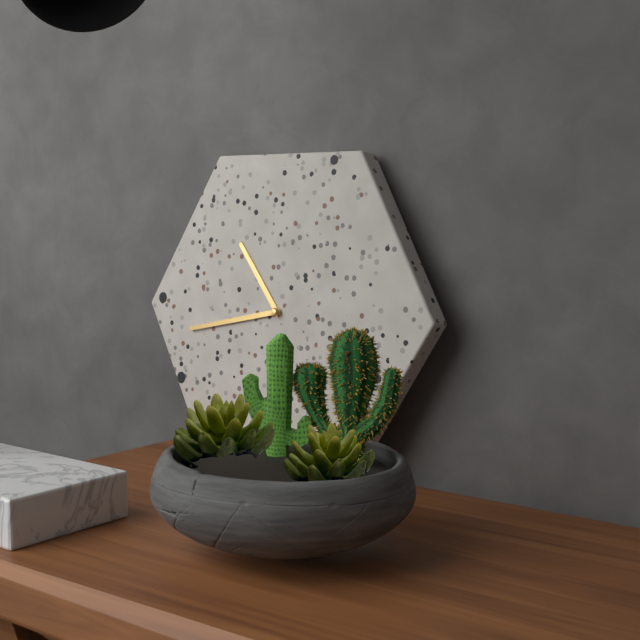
10:43
